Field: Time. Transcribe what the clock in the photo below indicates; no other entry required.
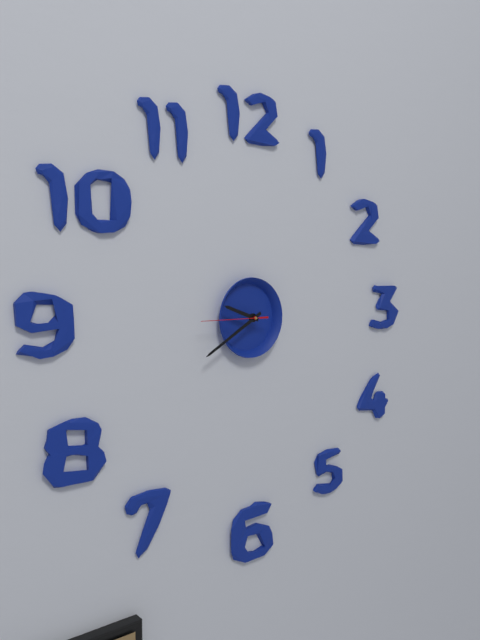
9:40:45
